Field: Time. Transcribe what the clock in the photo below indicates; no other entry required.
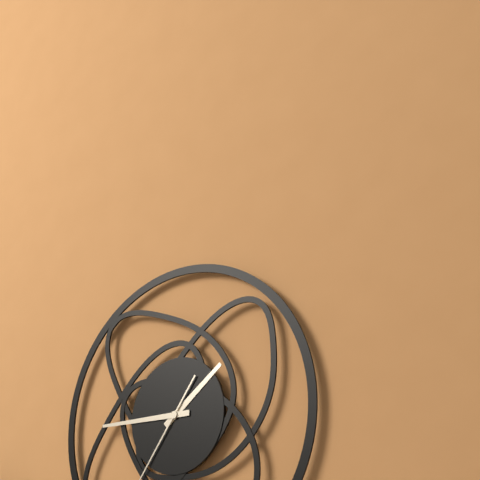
1:45
